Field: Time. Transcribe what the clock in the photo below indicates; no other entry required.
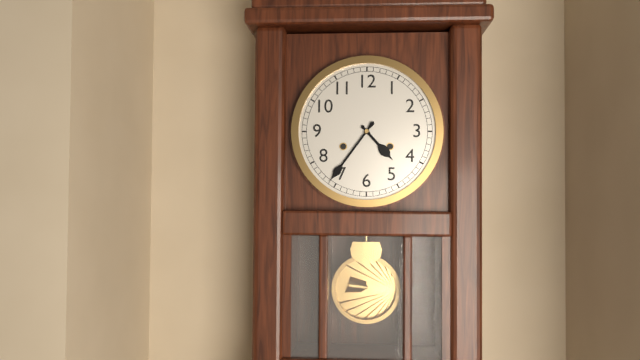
4:36
